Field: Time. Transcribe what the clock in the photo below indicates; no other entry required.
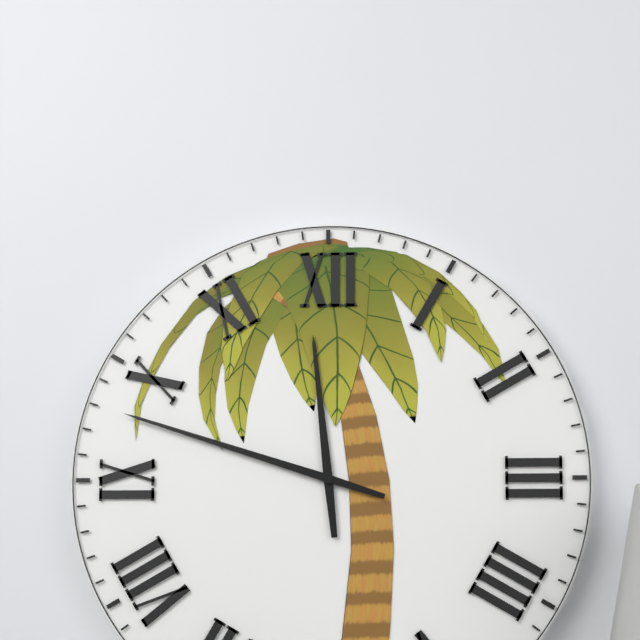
11:48
